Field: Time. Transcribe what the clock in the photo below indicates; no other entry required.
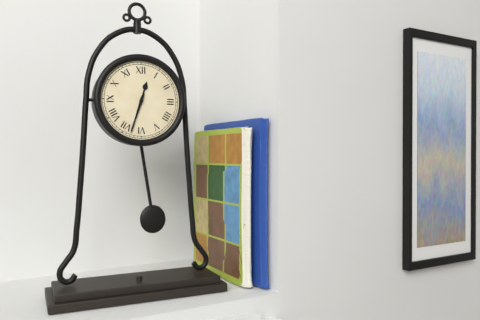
12:33
